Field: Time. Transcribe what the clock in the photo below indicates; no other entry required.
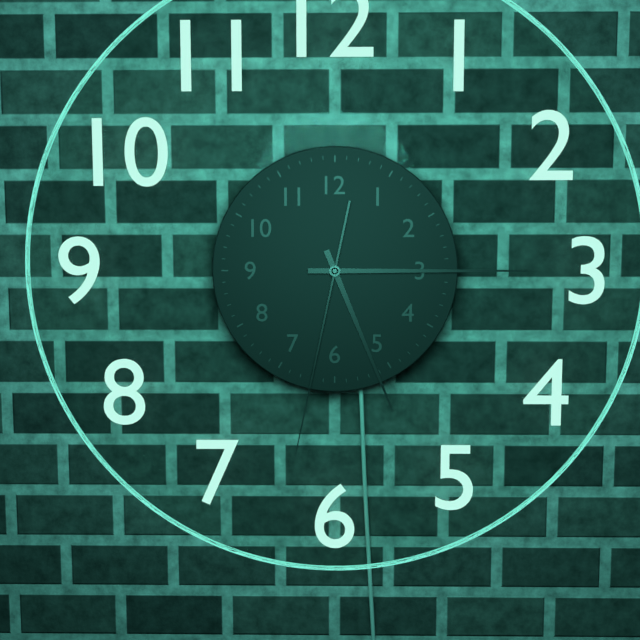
5:15:32
